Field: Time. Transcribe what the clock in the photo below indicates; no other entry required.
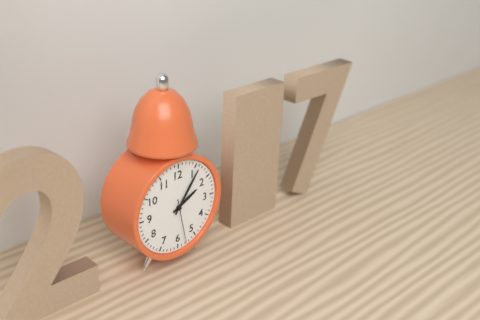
2:06
